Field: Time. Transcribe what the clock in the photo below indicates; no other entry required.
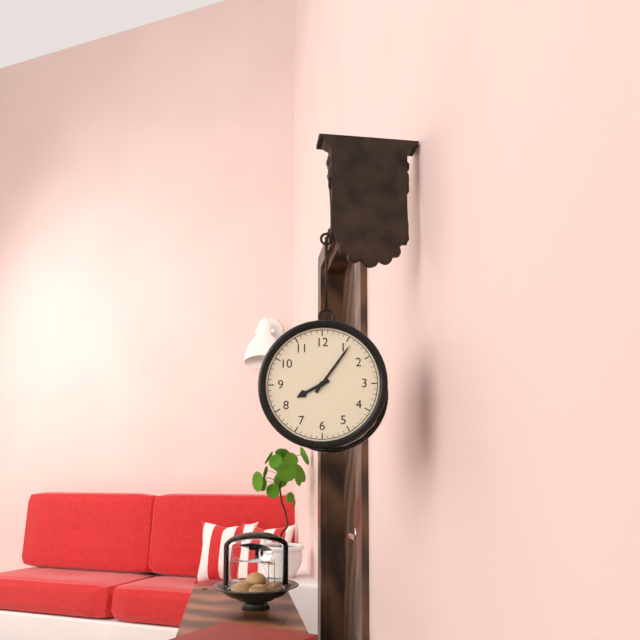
8:06
